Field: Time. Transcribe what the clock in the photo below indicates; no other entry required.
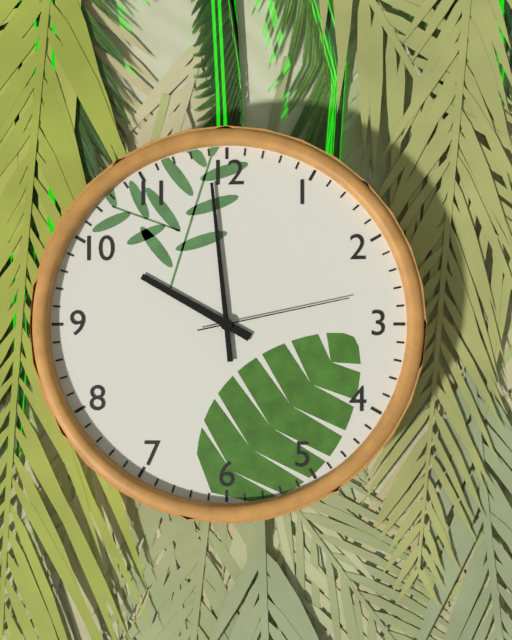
9:59:13
